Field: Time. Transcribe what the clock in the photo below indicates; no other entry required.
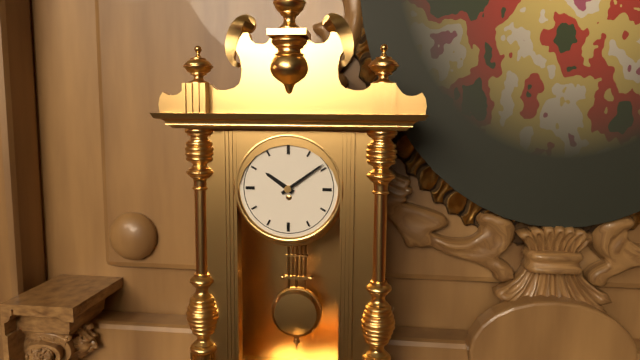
10:09
